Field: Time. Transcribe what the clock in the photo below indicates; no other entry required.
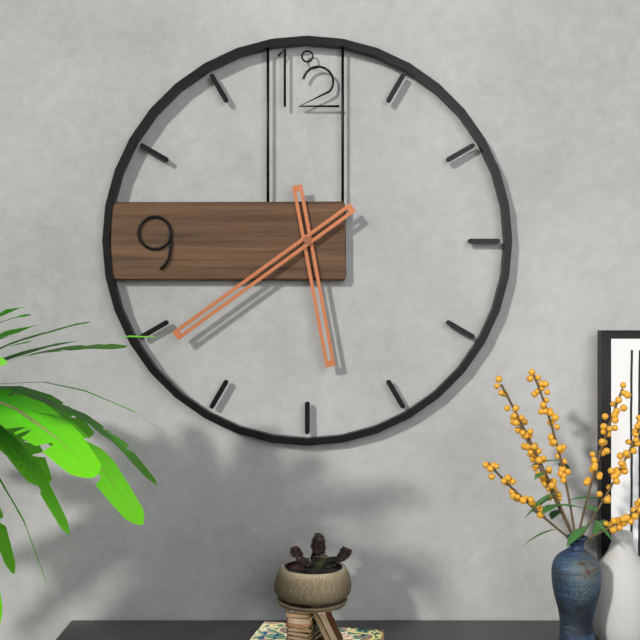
5:39
